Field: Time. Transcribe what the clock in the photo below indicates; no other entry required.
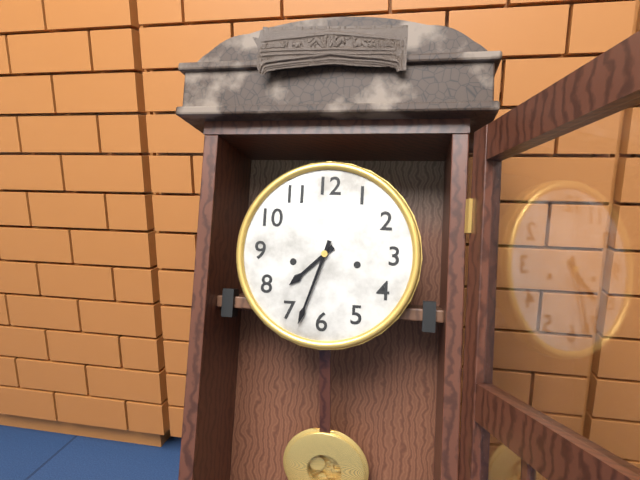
7:33
